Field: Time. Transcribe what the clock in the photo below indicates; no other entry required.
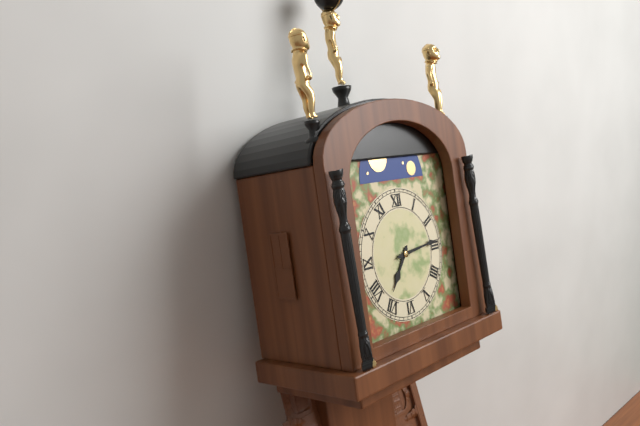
7:14
